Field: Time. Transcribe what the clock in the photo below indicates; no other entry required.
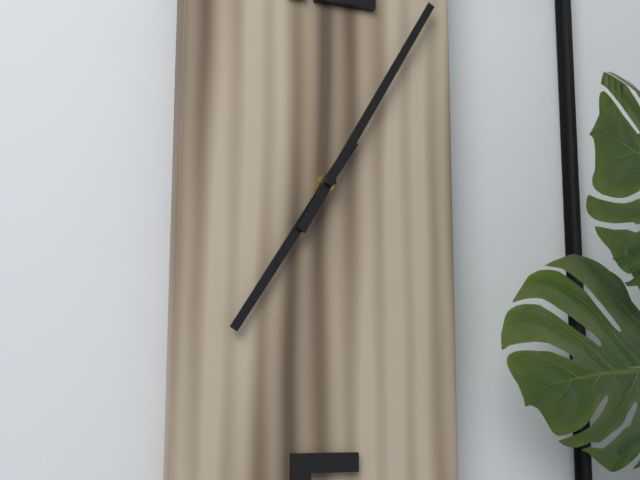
7:05
